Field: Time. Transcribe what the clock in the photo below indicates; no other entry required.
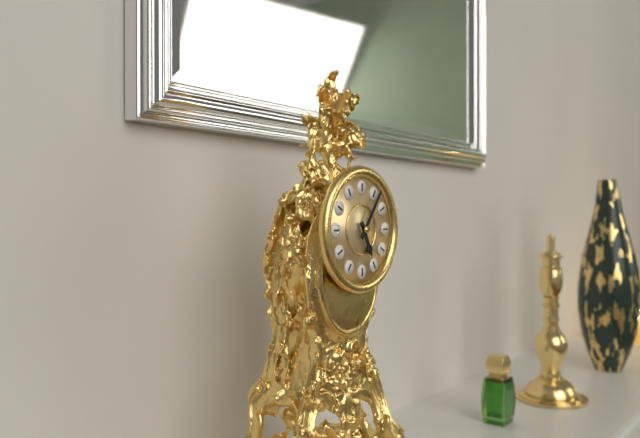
5:06
